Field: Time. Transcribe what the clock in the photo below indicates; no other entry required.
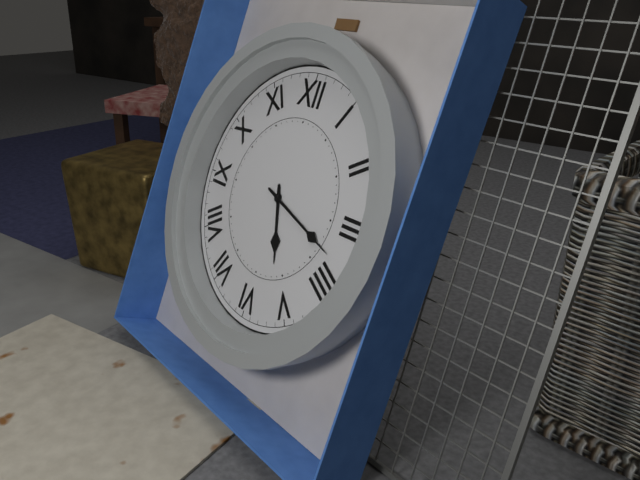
5:18
